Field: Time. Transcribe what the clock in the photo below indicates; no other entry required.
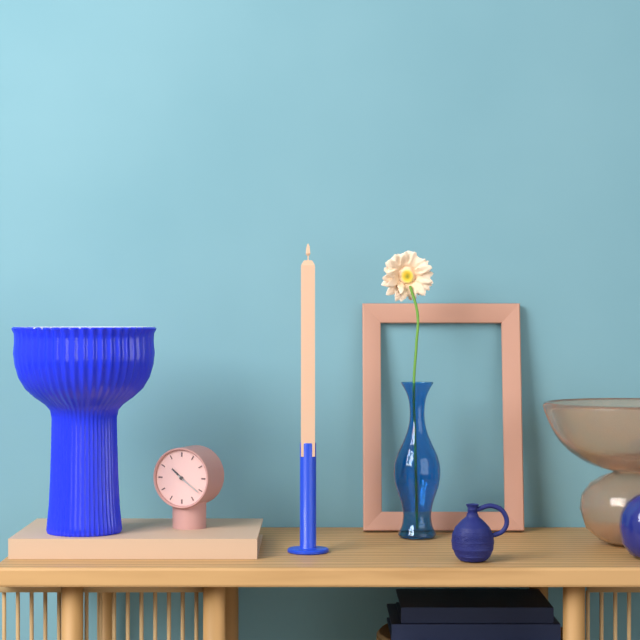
10:21
